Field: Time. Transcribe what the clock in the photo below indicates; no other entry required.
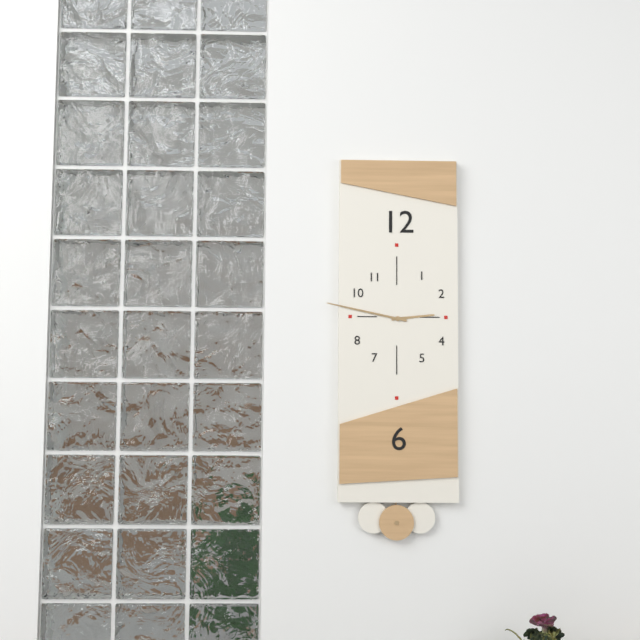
2:47
